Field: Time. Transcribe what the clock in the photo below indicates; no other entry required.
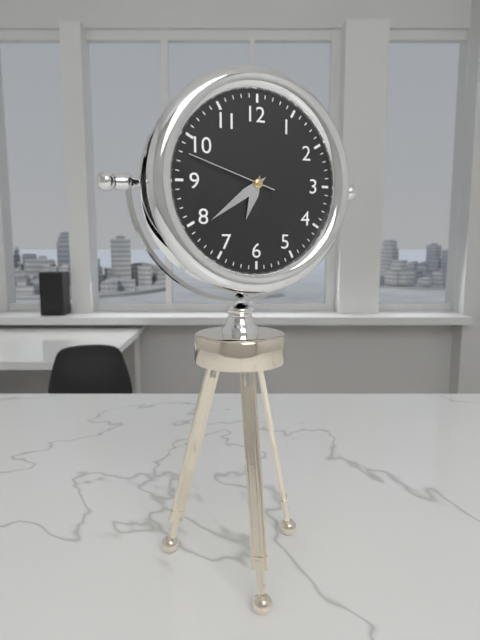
6:39:48
